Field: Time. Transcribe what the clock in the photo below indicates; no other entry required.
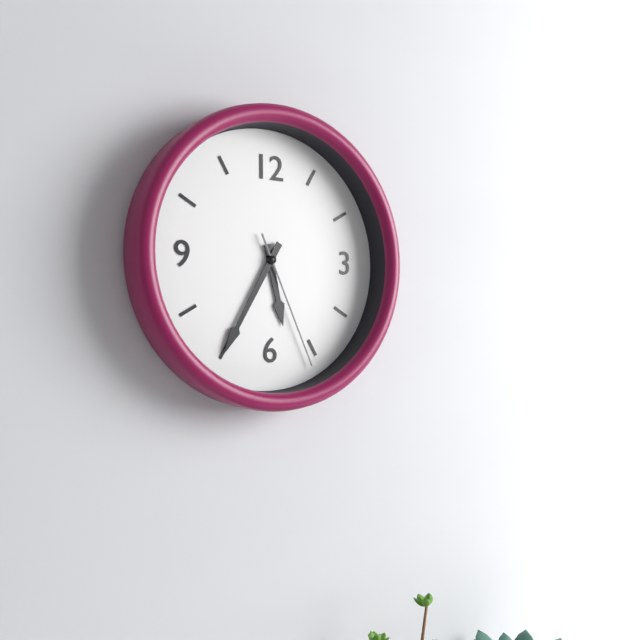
5:35:26
